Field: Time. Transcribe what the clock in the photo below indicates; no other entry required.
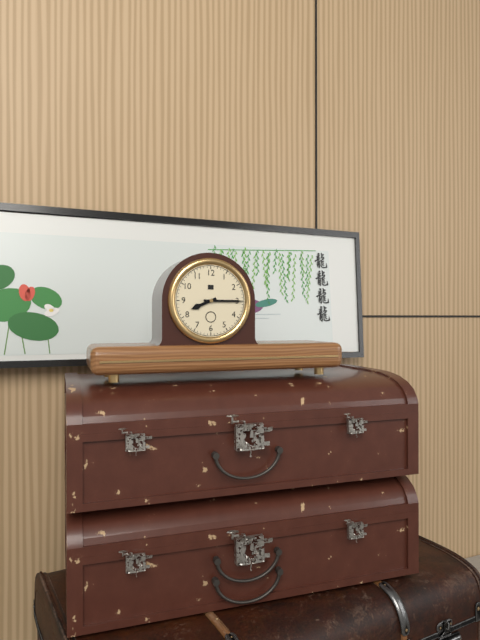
8:15
